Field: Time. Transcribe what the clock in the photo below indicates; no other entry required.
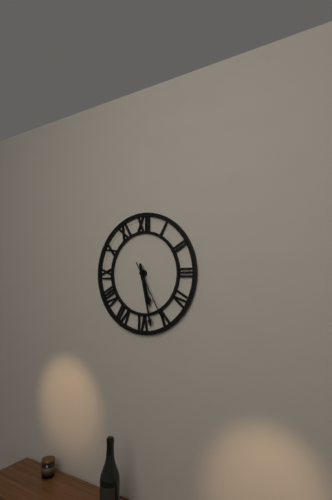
5:28:25
